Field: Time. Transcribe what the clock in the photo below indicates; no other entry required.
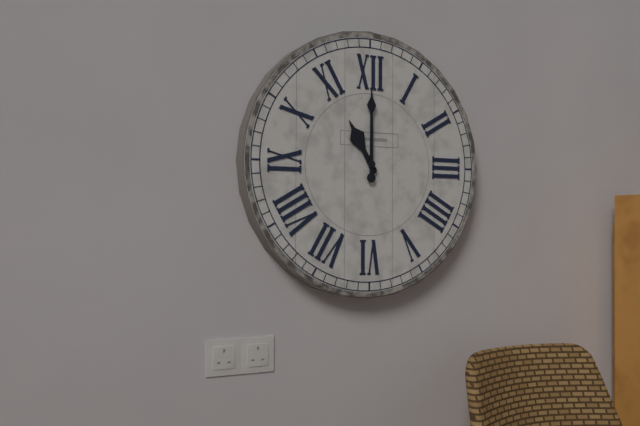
11:00
